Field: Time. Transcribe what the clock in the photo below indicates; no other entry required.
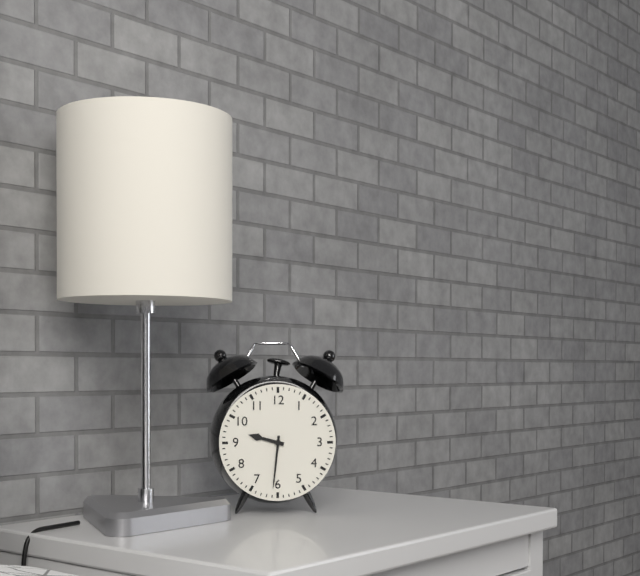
9:31
